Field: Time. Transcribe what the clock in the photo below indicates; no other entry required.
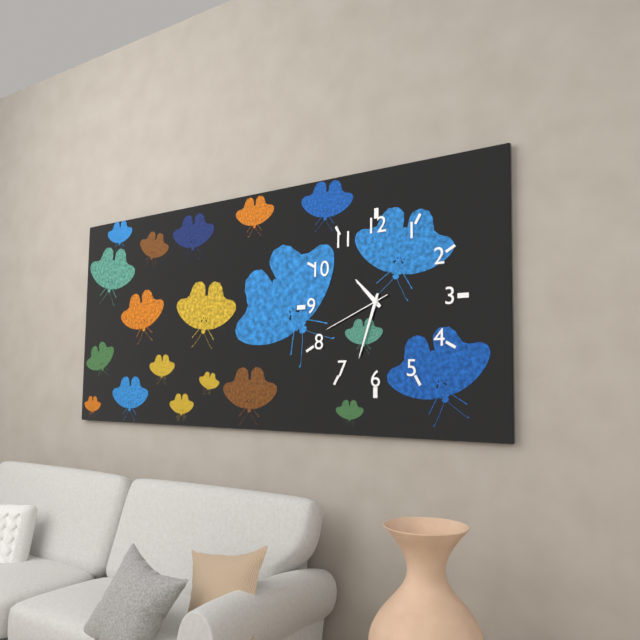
10:33:41
